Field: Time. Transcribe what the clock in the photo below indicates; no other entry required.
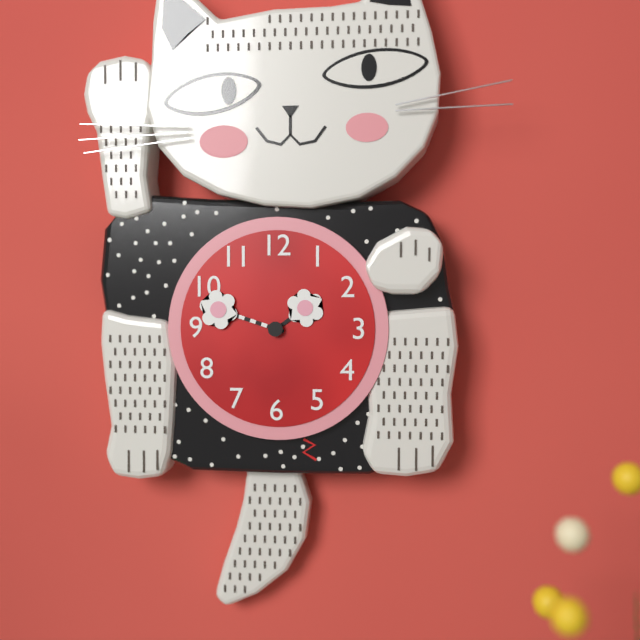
1:48
